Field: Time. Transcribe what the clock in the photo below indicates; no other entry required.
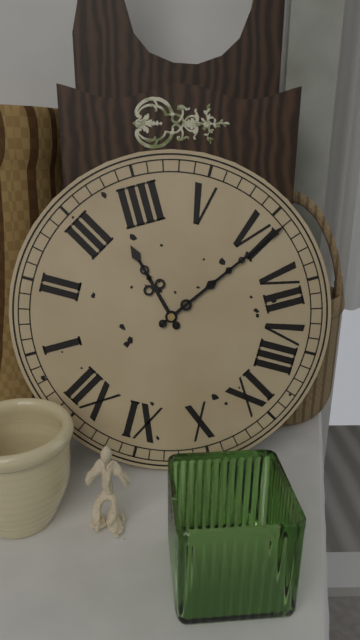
3:31
